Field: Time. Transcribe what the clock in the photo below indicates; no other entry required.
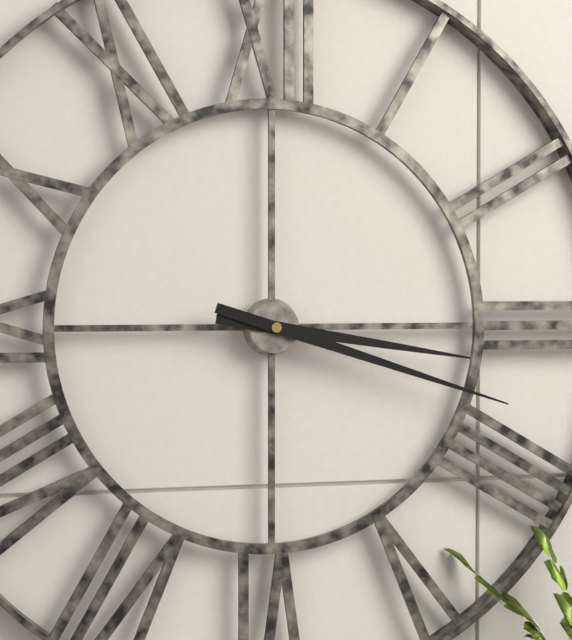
3:18
